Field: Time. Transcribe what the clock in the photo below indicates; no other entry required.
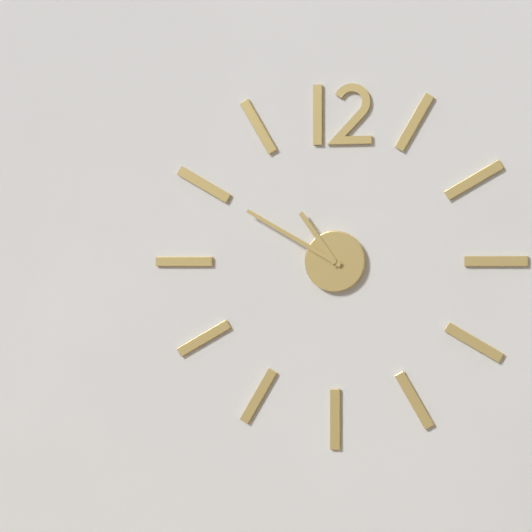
10:50
